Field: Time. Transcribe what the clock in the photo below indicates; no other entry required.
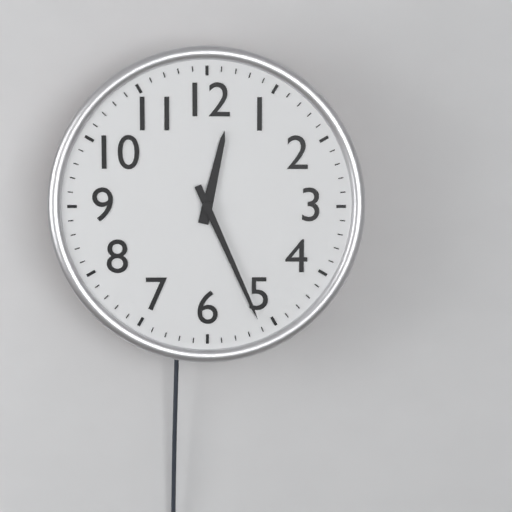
12:26
